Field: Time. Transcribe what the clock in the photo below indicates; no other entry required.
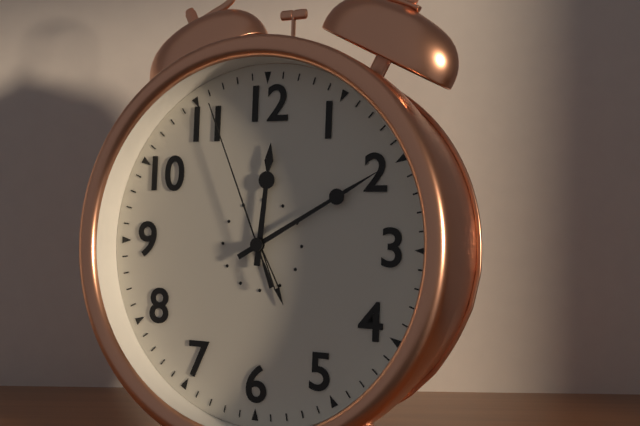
12:10:56
